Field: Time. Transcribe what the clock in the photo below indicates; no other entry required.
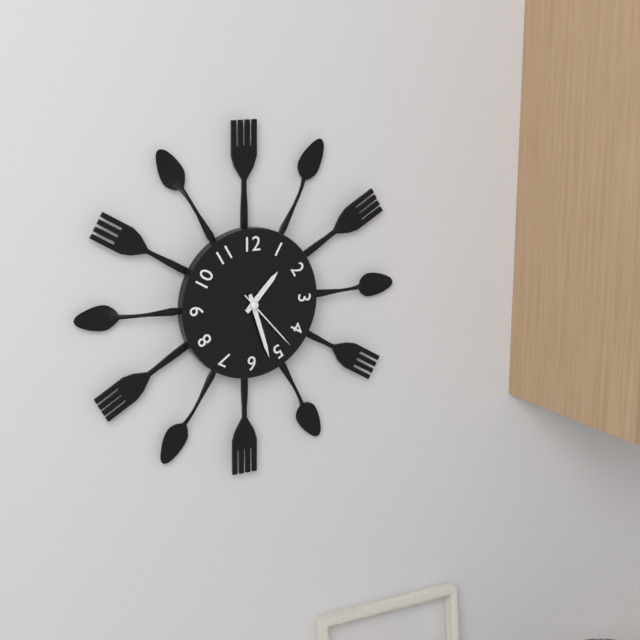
1:27:23
